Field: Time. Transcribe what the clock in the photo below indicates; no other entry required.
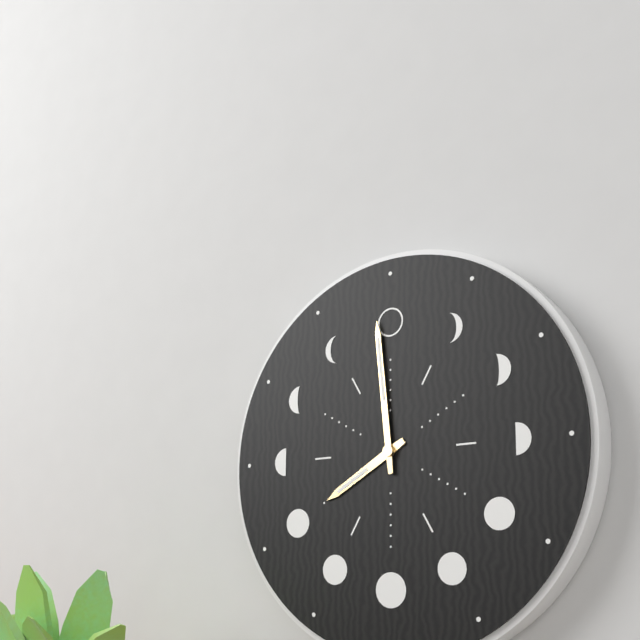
7:59
